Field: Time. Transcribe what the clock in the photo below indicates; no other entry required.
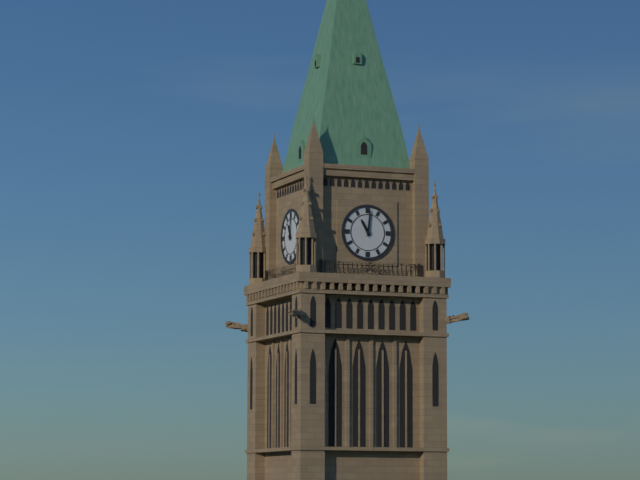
11:01
